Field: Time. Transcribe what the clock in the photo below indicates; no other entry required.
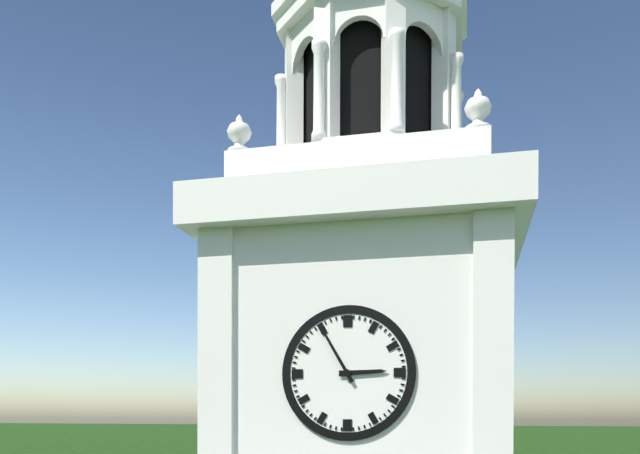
2:55
